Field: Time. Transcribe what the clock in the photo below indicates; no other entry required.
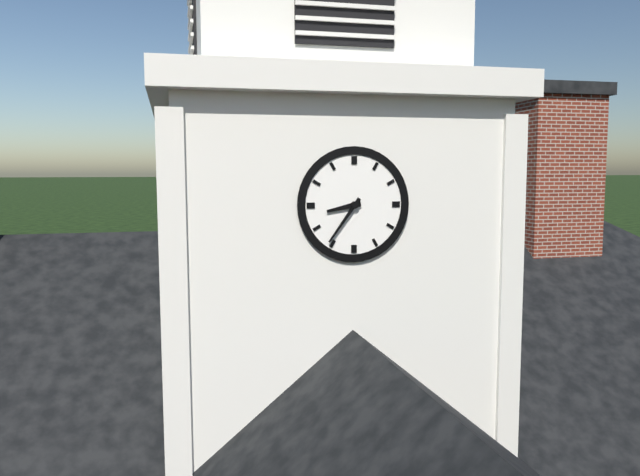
8:36
